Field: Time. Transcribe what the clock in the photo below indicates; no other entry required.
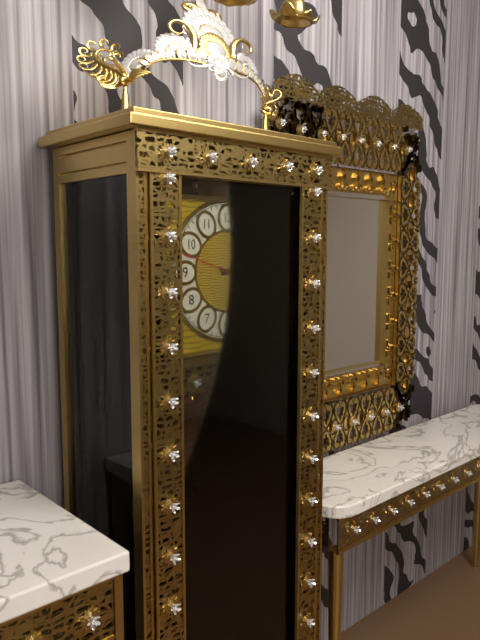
2:18:48
